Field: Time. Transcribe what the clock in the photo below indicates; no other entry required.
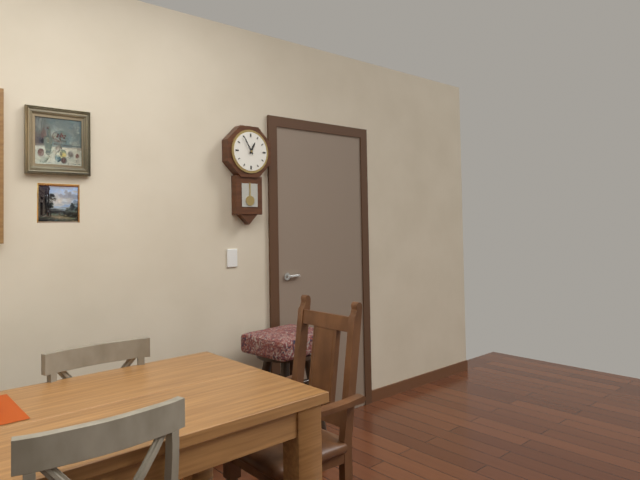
12:55
